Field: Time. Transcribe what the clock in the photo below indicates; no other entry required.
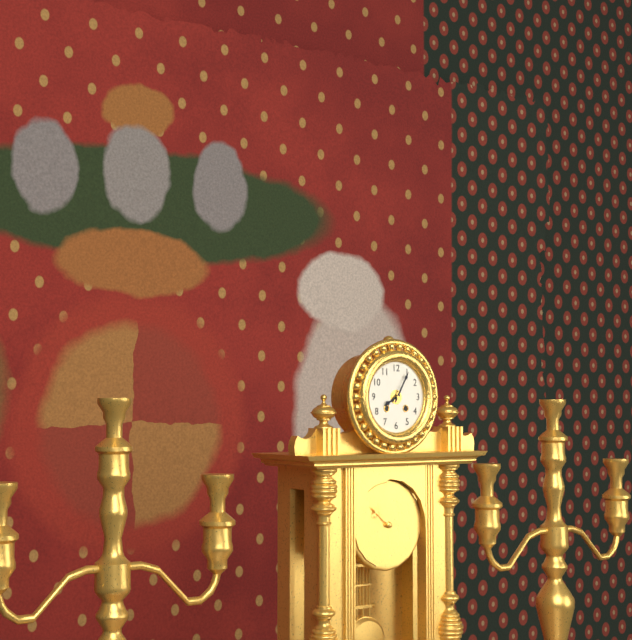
8:05
